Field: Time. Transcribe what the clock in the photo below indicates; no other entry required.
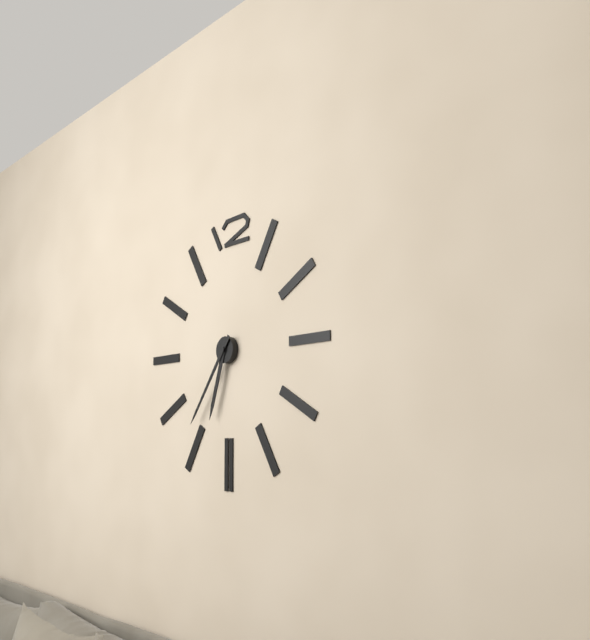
6:36
